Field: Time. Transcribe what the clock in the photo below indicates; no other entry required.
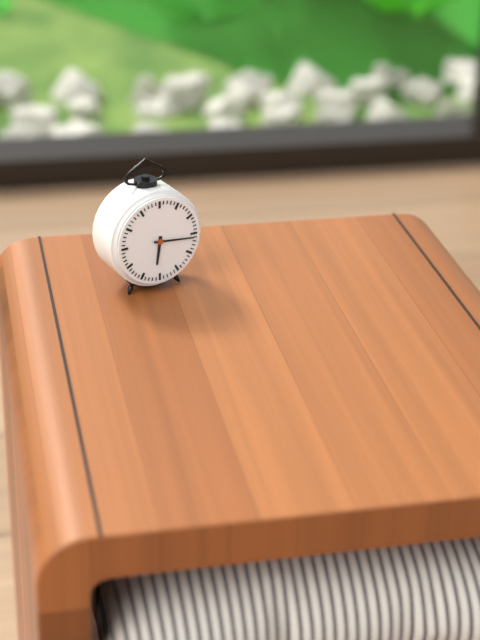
6:16
